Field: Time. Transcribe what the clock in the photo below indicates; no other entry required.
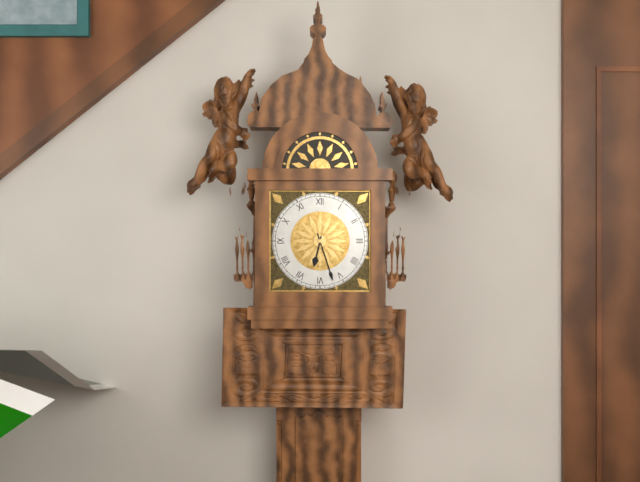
6:27
